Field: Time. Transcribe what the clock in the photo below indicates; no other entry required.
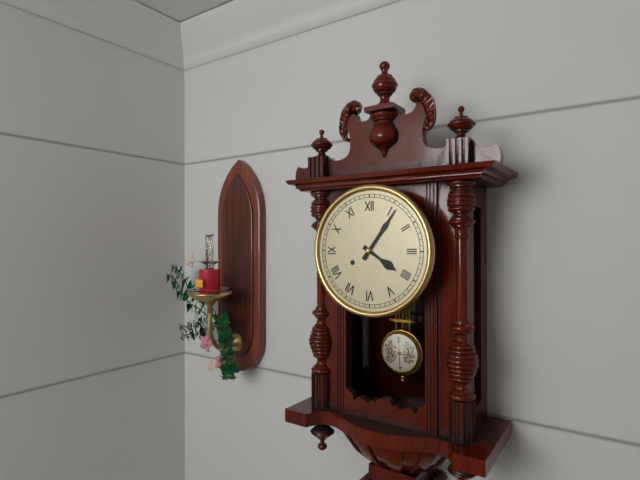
4:06
